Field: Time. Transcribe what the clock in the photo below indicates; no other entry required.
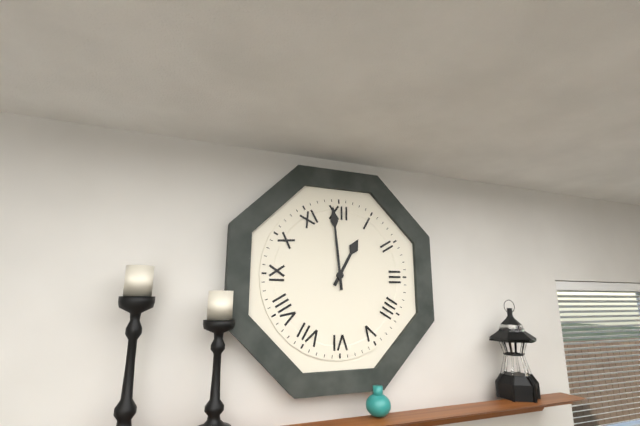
12:59
